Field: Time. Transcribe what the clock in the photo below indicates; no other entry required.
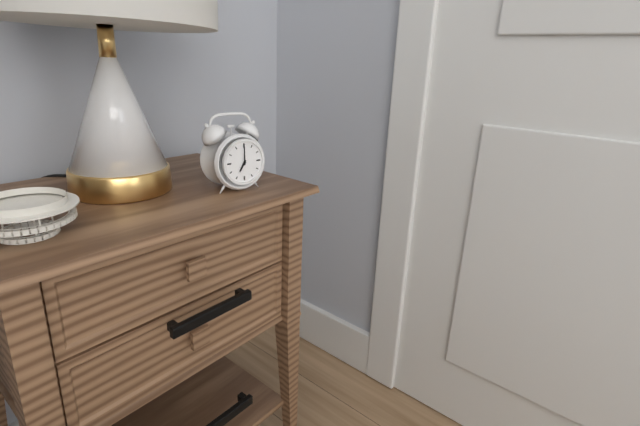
7:00
